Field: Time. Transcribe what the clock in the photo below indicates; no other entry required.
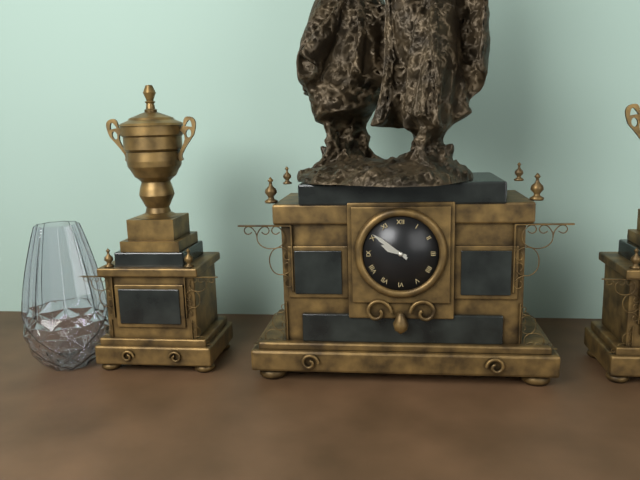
9:51
